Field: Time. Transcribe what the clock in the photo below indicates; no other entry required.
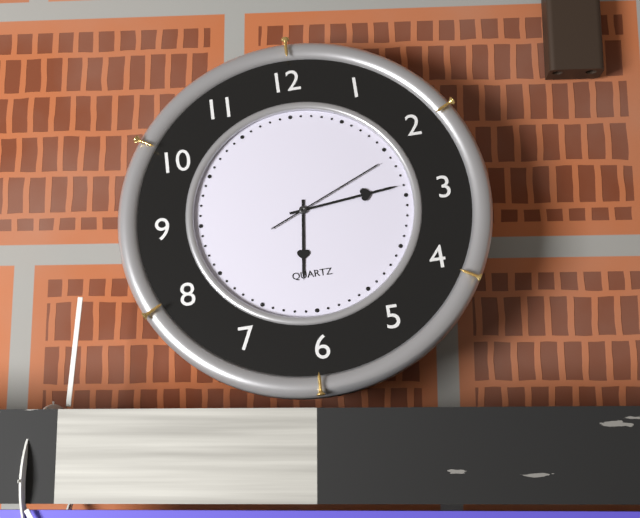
6:14:11
